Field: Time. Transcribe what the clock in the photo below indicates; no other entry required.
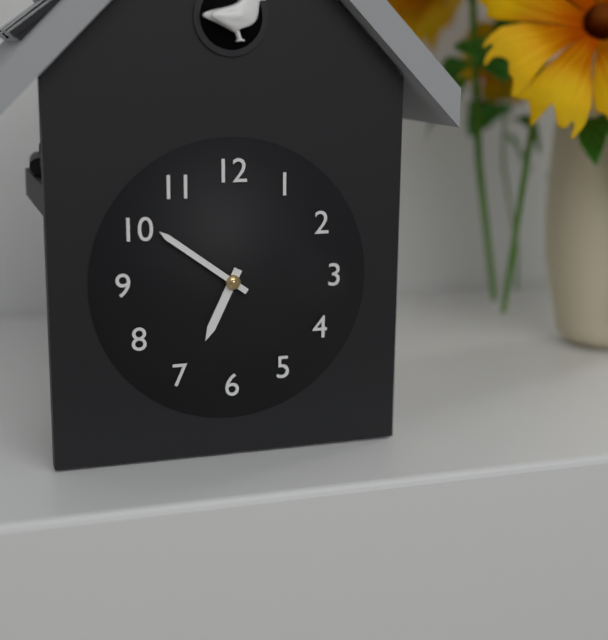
6:51
